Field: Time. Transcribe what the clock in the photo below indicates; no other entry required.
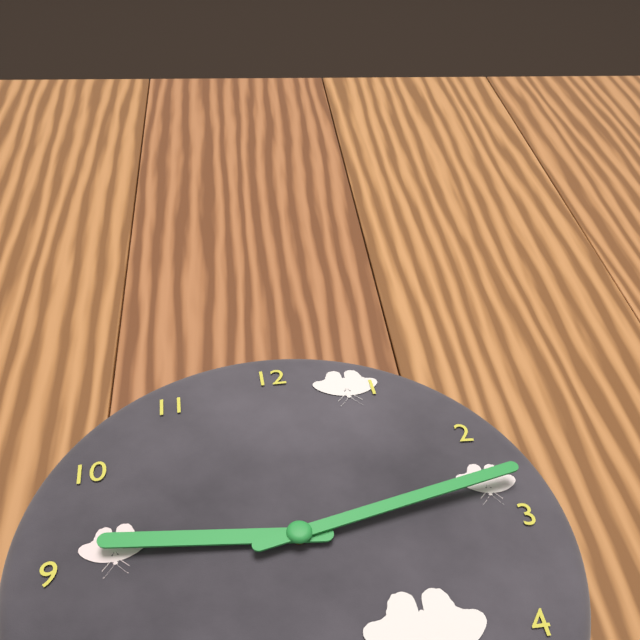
9:13
